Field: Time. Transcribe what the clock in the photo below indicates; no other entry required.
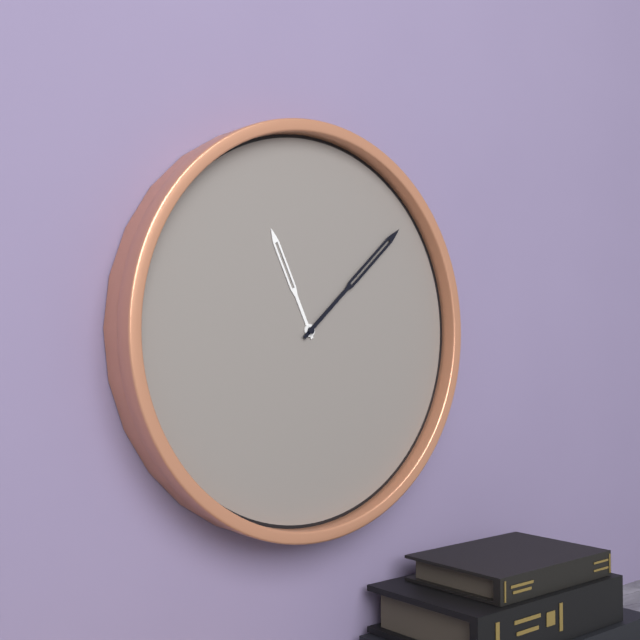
11:08
